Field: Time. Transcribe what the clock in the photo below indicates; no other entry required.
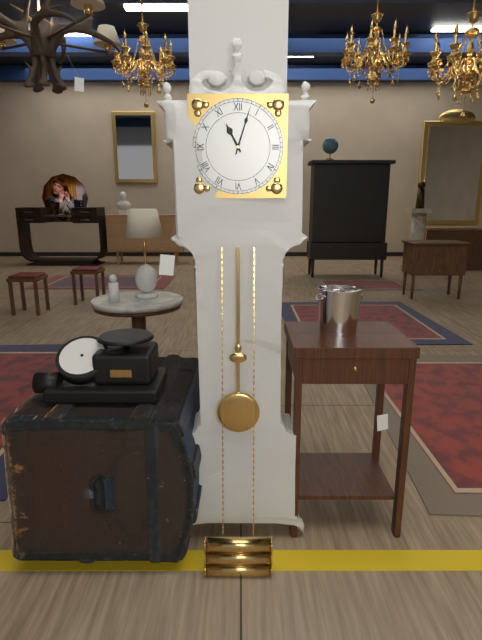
11:03
